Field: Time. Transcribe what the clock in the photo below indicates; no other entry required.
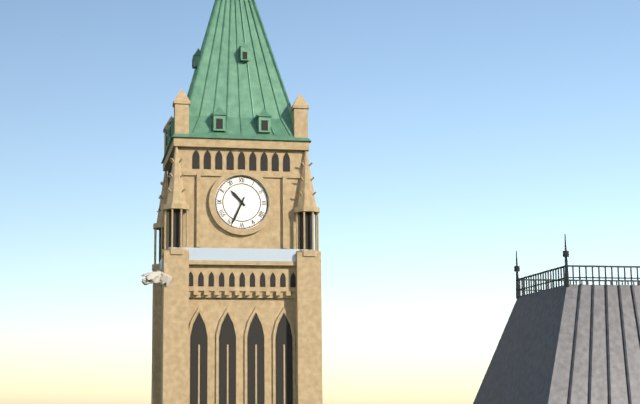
10:34
